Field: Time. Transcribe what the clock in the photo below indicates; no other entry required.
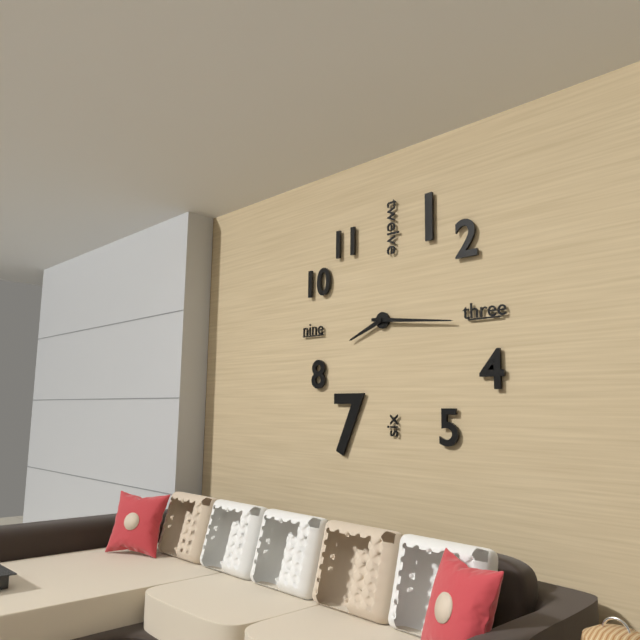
8:16
